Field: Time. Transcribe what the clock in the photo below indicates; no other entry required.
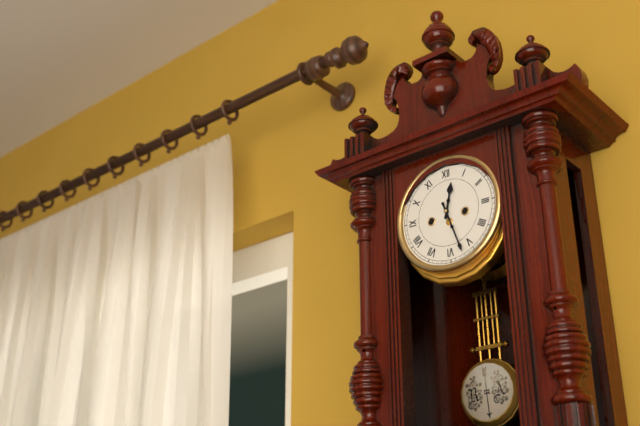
12:27
